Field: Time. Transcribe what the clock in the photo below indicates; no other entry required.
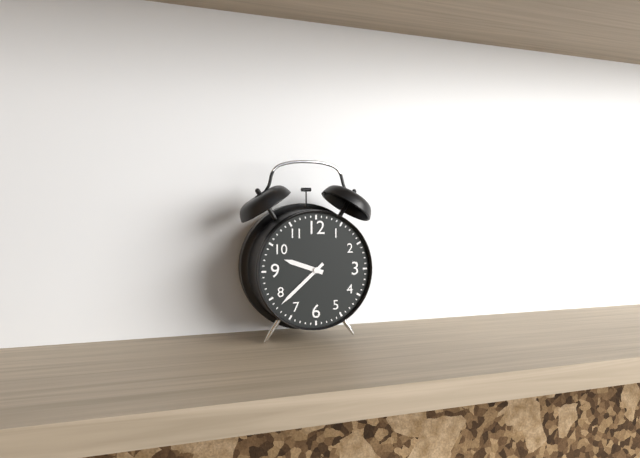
9:38
